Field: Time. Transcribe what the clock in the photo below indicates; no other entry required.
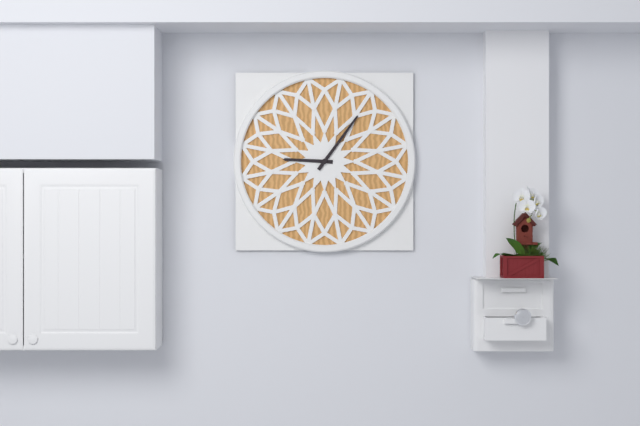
9:06
